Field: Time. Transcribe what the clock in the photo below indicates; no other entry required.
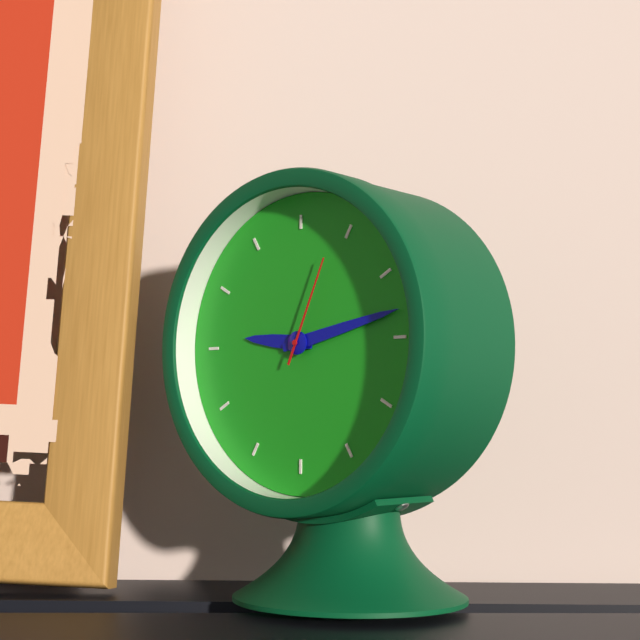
9:13:04
